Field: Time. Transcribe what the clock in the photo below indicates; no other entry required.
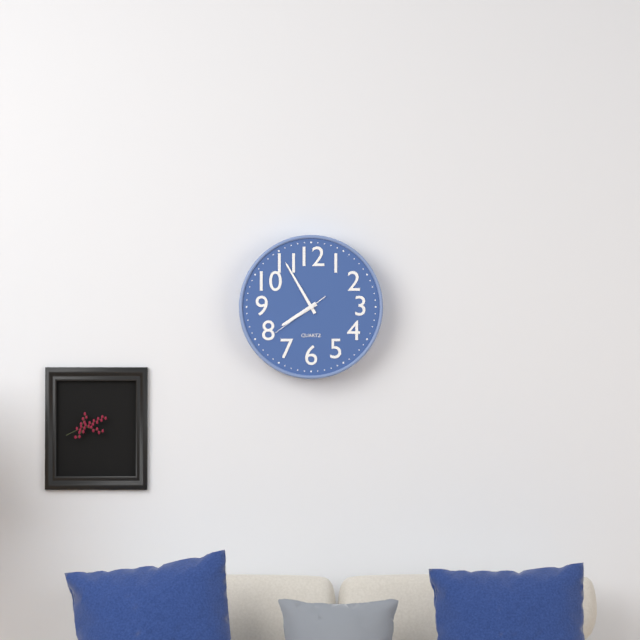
7:55:39
